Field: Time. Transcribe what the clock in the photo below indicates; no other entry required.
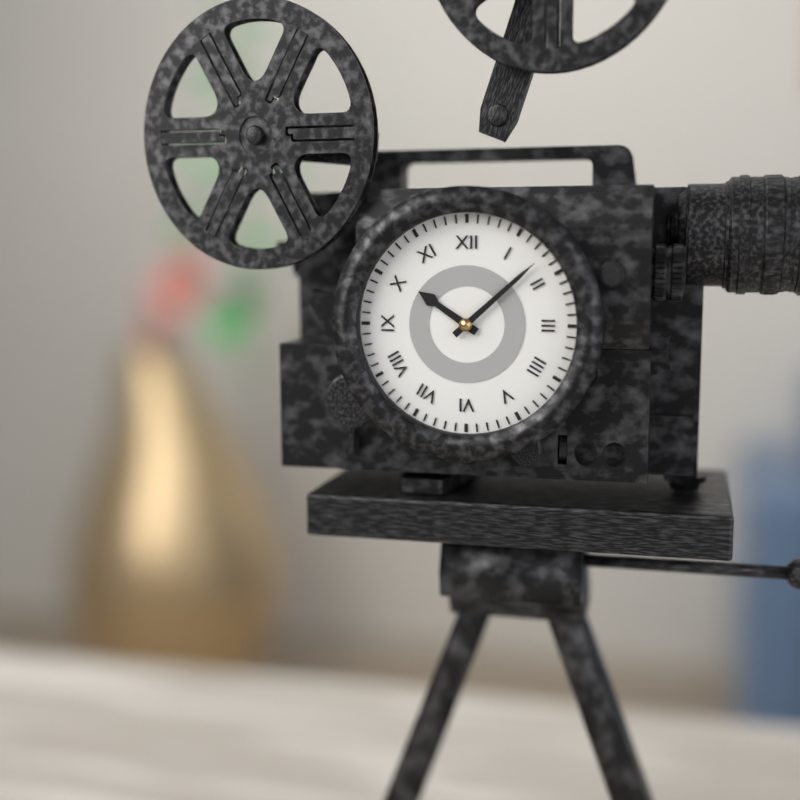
10:08
